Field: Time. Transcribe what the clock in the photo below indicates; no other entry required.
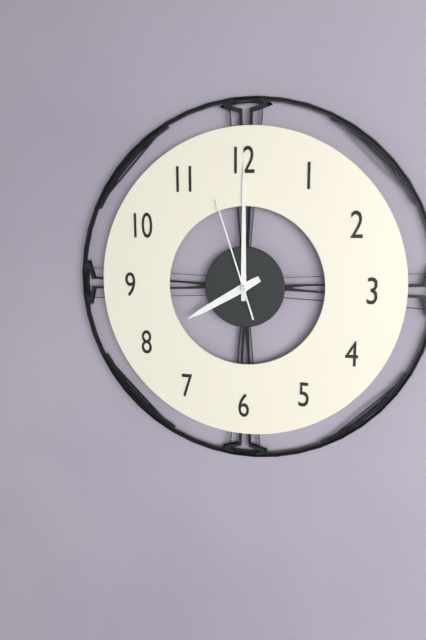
8:00:57
